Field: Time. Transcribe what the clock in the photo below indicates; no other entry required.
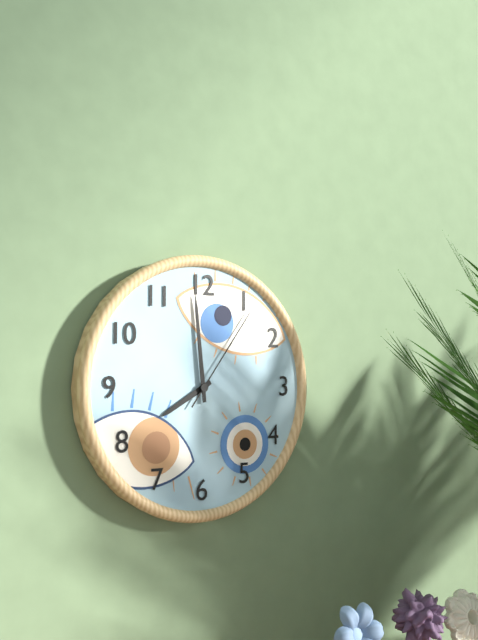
7:59:06
